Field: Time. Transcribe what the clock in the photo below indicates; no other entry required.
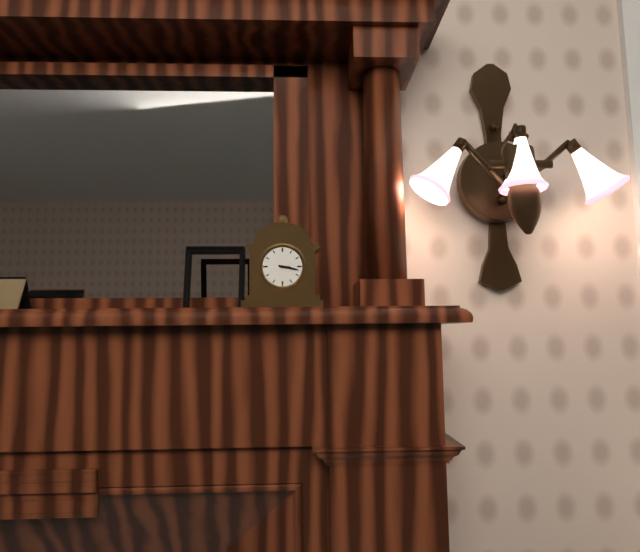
3:17
